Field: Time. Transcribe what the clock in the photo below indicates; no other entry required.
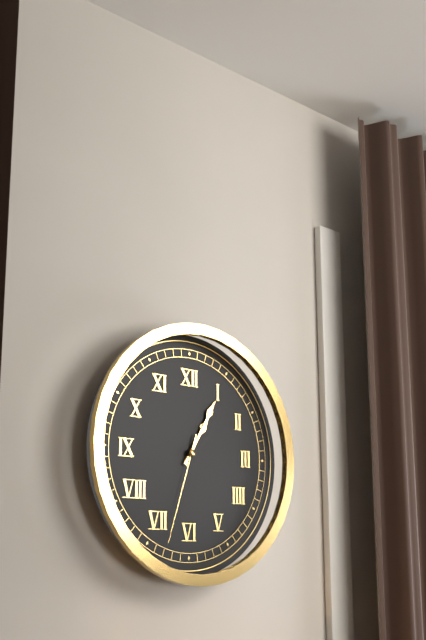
1:05:33
